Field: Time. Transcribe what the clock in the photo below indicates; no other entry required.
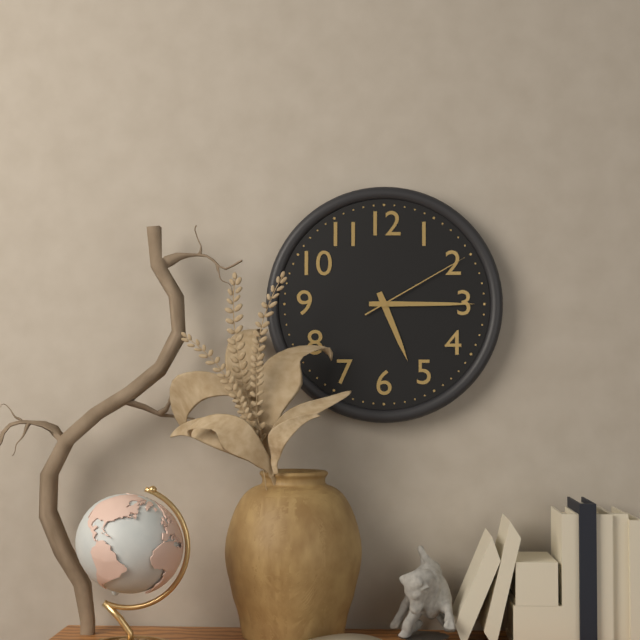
5:15:10
